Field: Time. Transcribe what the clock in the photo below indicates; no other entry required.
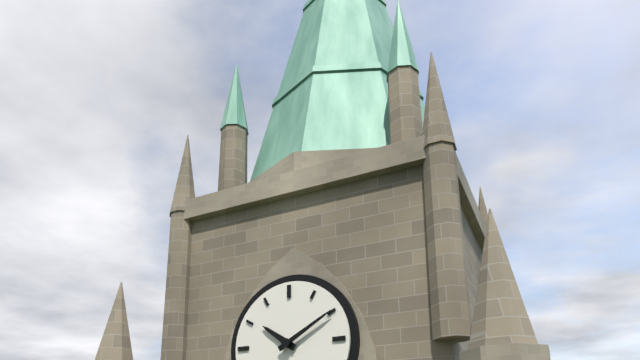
10:10
